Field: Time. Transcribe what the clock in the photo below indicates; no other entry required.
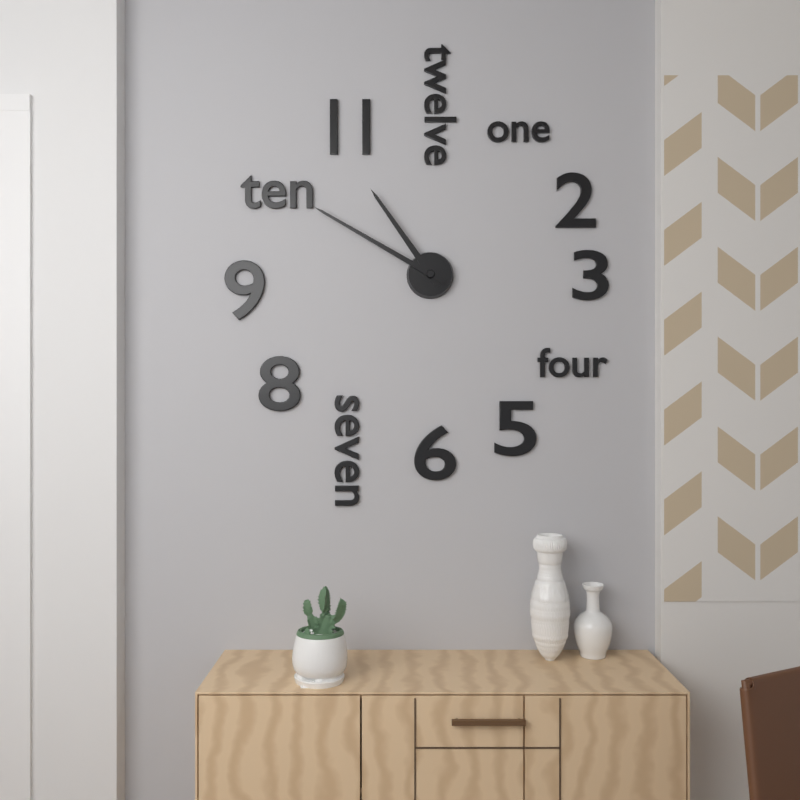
10:50
